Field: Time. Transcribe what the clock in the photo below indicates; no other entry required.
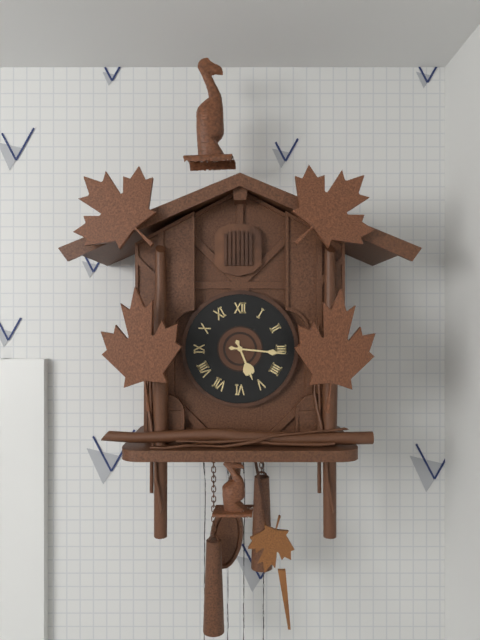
5:16
